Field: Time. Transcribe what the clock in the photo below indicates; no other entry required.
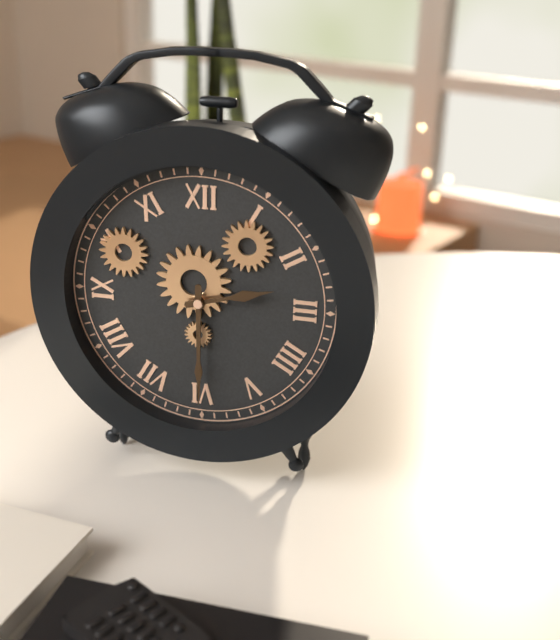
2:30
